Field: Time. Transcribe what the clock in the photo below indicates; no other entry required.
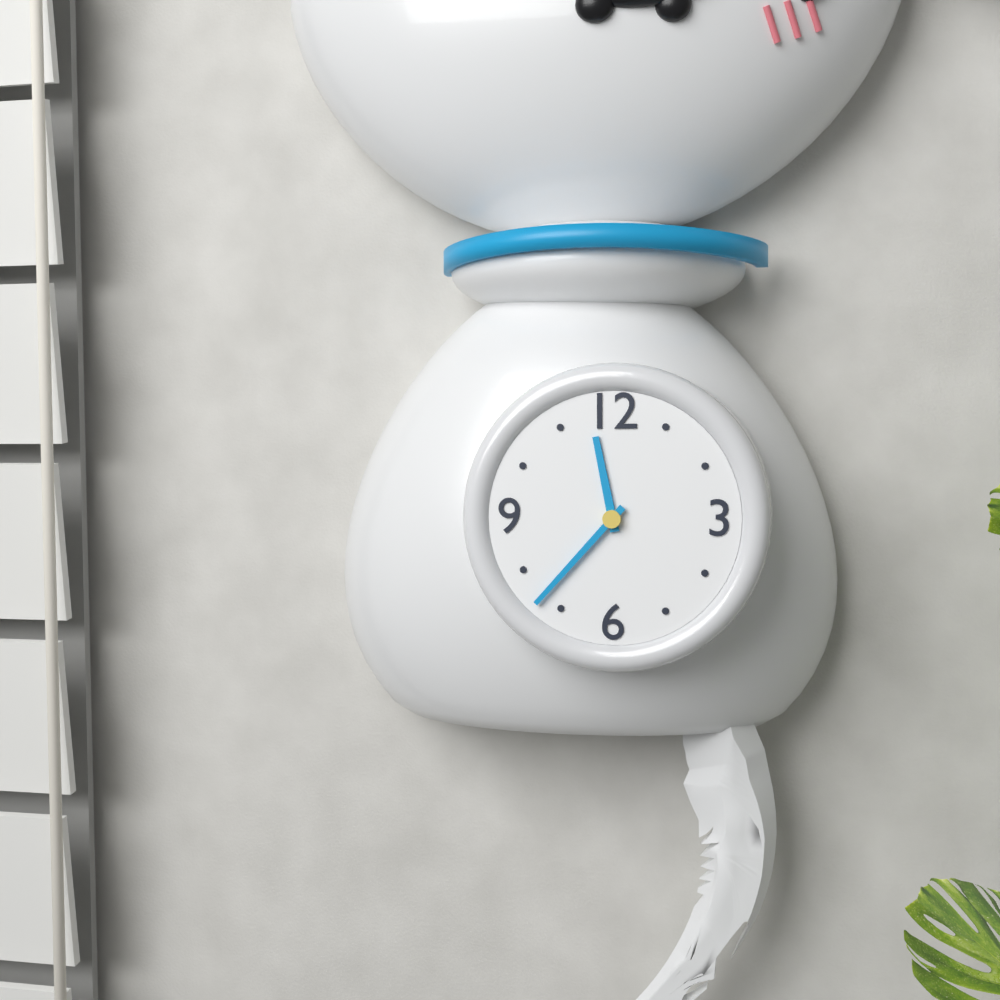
11:37
